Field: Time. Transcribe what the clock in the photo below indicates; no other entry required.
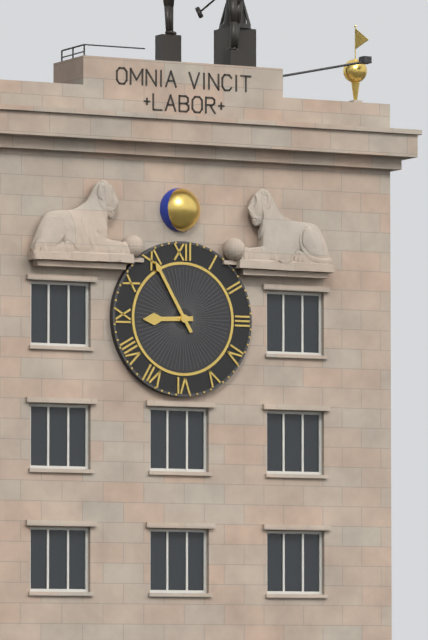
8:55
